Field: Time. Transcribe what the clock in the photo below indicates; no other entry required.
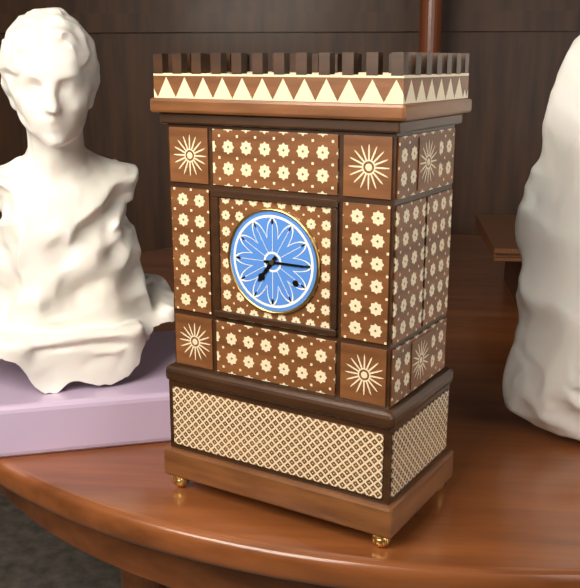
7:15
